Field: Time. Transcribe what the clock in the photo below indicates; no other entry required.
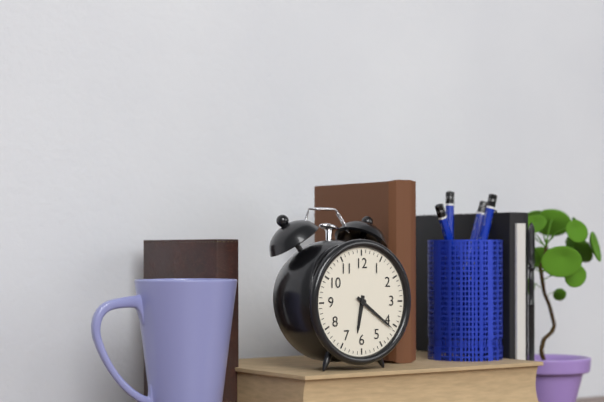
6:21
